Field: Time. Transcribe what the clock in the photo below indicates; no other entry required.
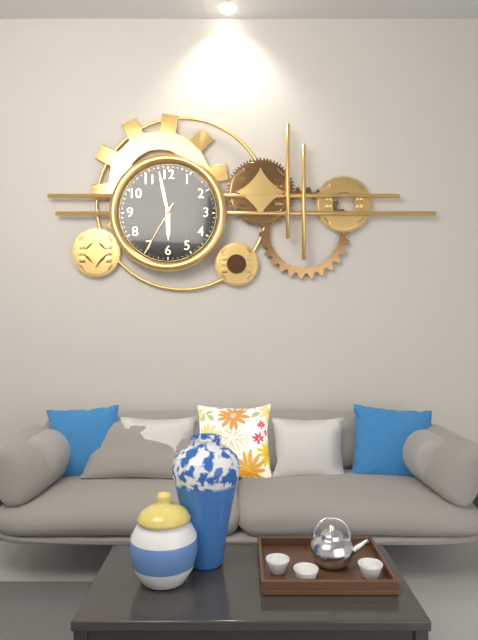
5:58:35
